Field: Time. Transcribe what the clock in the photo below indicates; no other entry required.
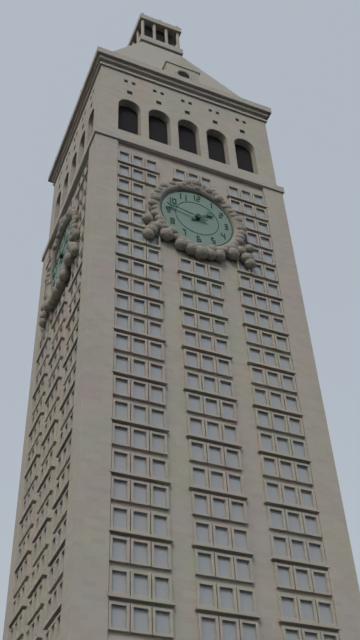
1:47
